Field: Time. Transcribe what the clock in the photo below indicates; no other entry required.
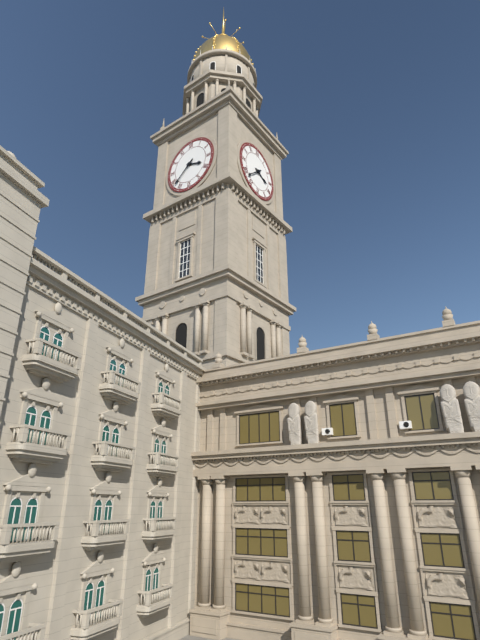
3:38
